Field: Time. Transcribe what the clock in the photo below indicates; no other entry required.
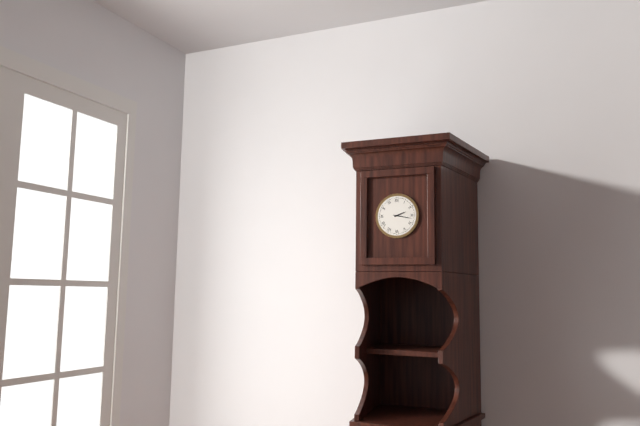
2:17
